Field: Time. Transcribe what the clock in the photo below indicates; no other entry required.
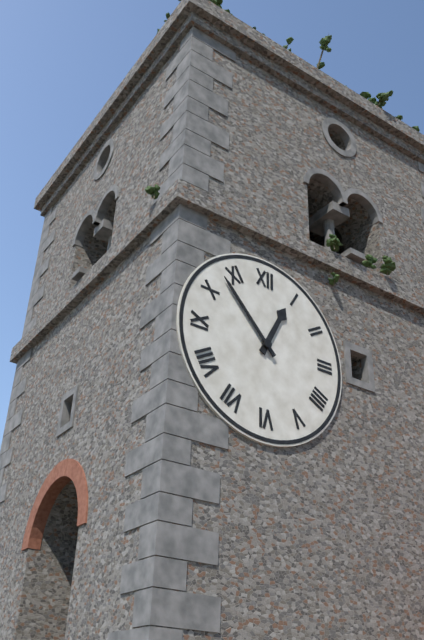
12:53
